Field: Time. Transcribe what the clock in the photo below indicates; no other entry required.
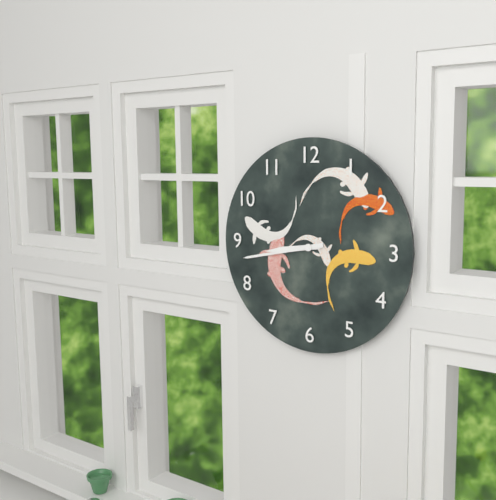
8:43
